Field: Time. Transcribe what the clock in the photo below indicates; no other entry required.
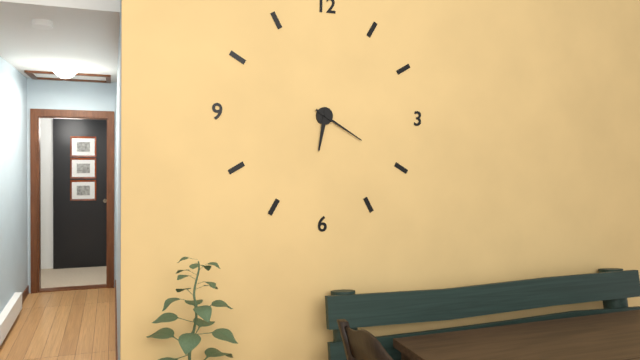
6:20
